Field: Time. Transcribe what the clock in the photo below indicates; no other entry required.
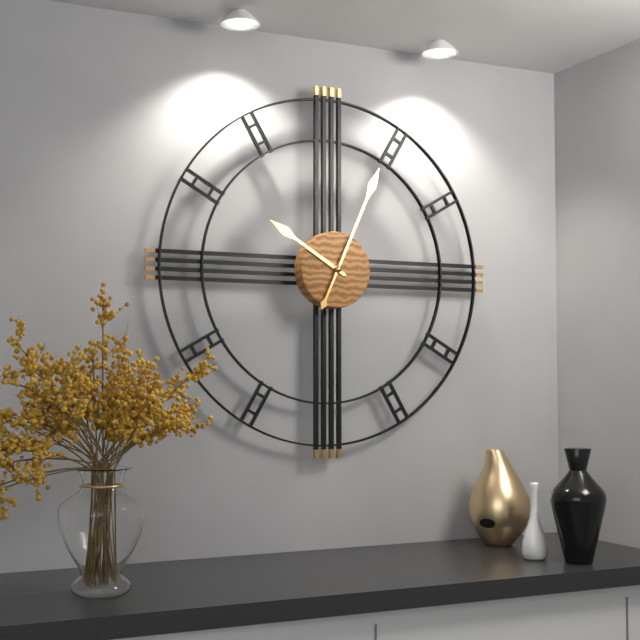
10:04
